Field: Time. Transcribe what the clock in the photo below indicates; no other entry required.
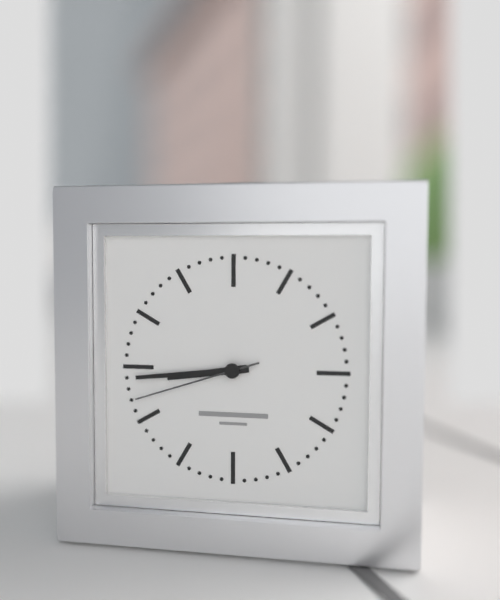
8:44:42
